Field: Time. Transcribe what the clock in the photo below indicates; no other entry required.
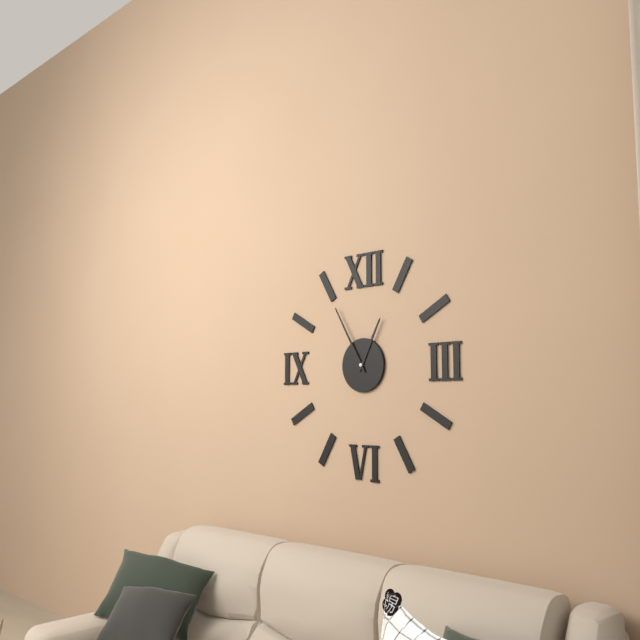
12:55
